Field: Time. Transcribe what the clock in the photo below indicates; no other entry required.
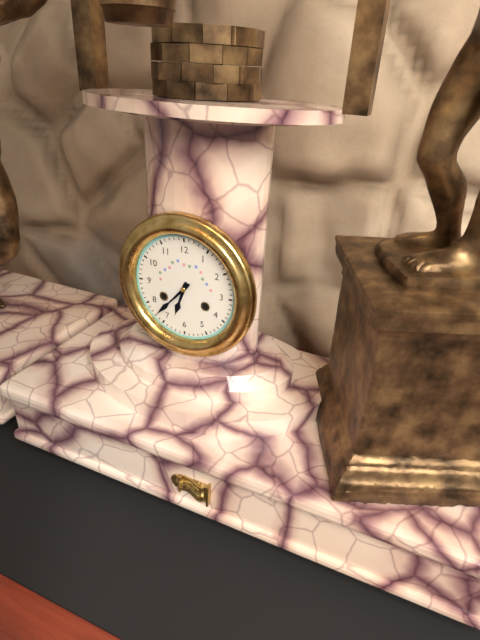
6:37
